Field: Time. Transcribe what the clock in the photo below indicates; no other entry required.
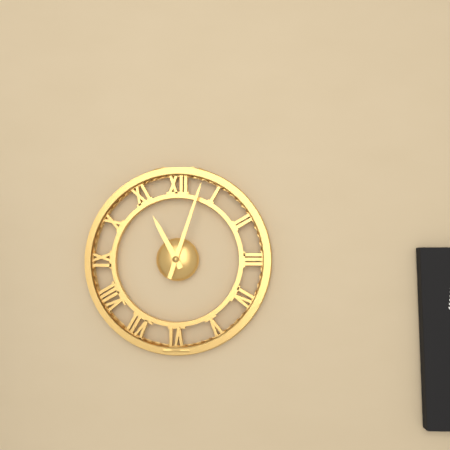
11:03
